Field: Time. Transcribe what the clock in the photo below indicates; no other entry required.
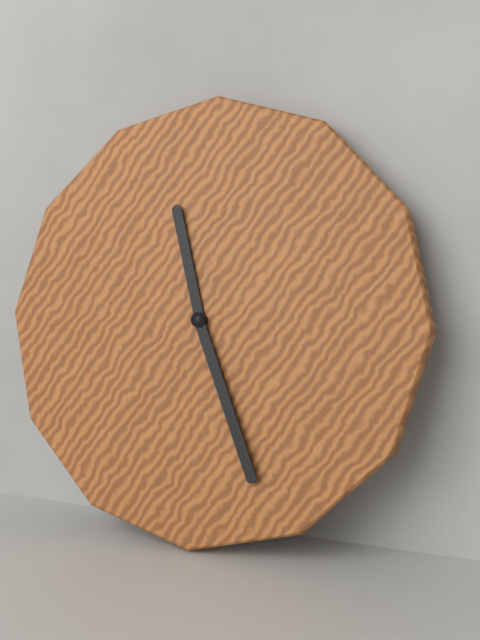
11:26
